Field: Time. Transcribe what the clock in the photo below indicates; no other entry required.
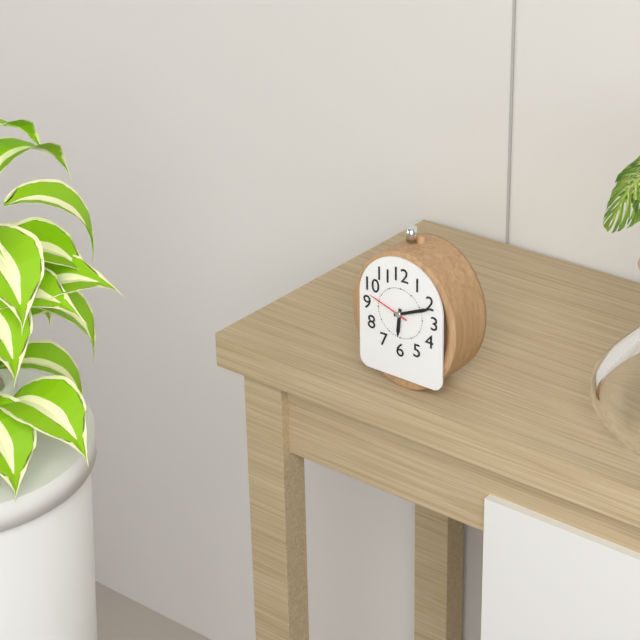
6:11
